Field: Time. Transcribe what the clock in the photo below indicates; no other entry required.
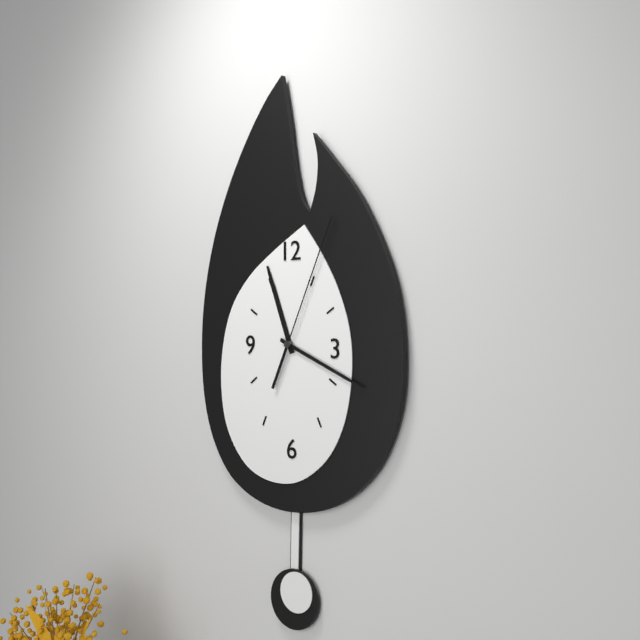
11:19:04
